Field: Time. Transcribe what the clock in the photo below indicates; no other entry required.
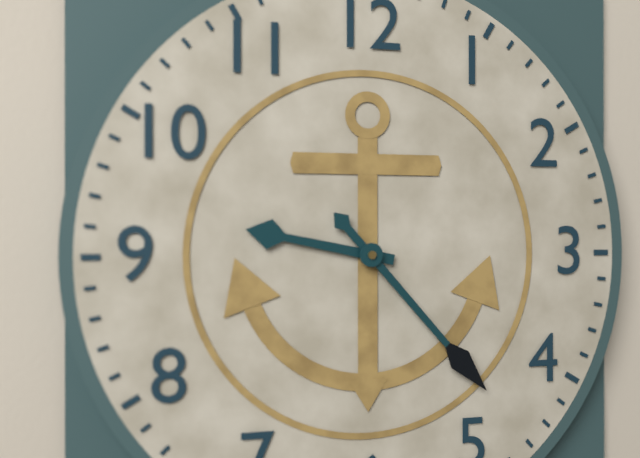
9:23
